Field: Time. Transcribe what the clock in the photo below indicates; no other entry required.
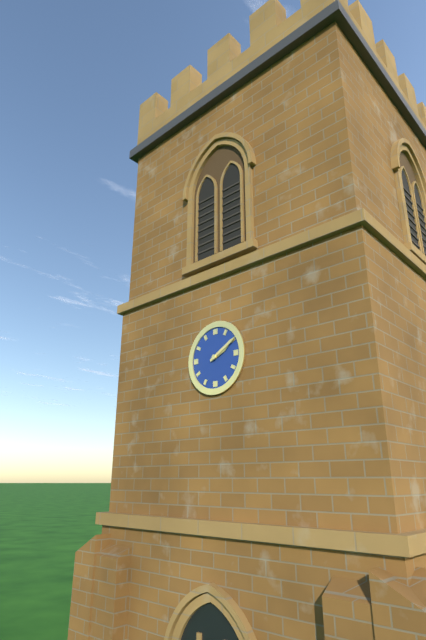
2:10
